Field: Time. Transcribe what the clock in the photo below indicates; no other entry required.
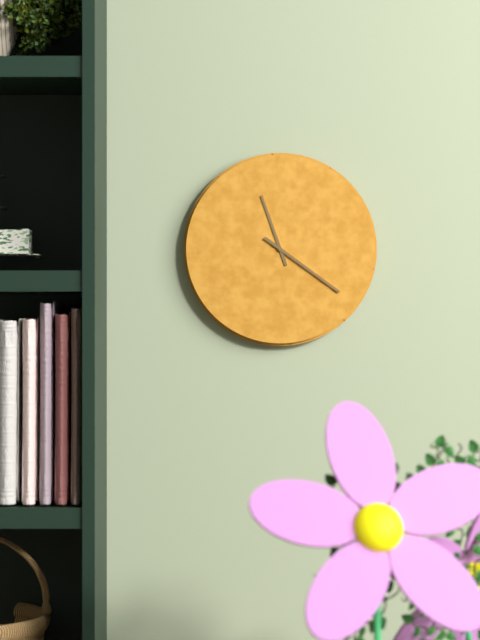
11:21
